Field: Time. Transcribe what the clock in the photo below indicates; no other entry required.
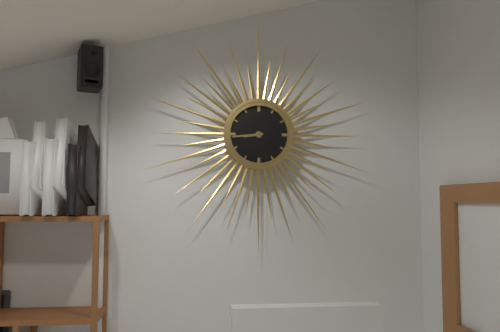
8:44
